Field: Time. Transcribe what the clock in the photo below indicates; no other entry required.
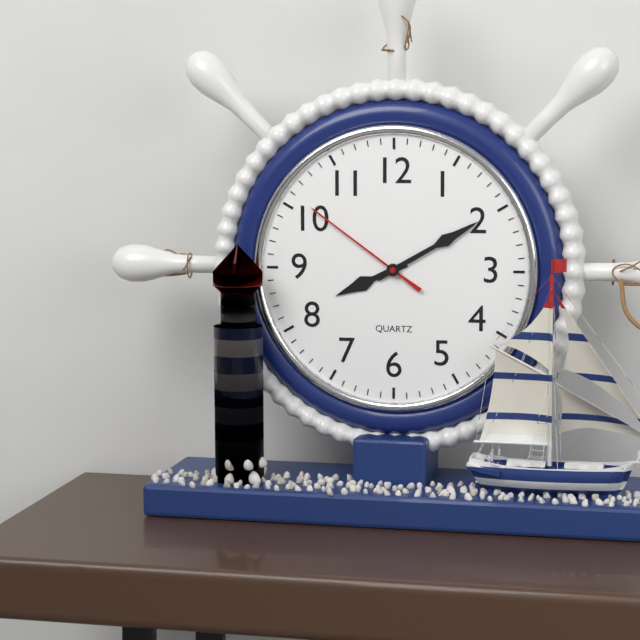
8:10:51
